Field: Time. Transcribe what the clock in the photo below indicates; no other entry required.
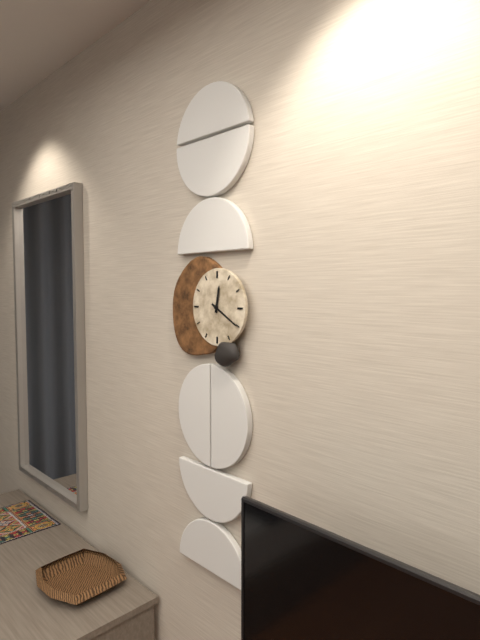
12:20
